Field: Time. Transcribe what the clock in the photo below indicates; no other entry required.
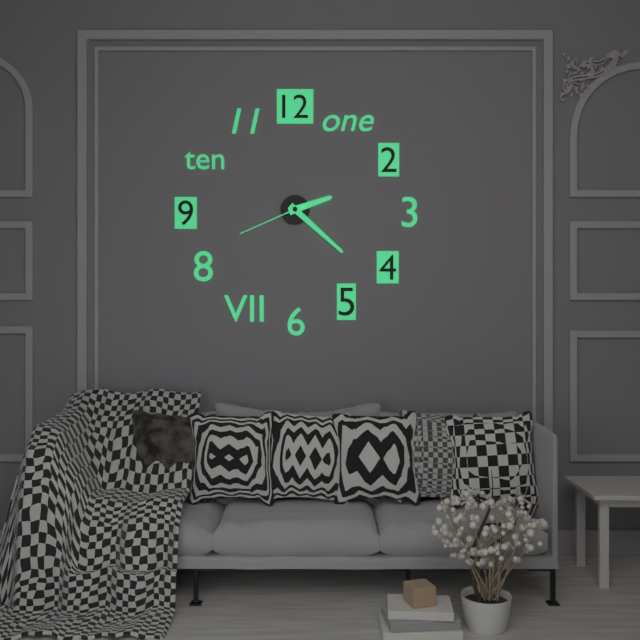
2:22:41
